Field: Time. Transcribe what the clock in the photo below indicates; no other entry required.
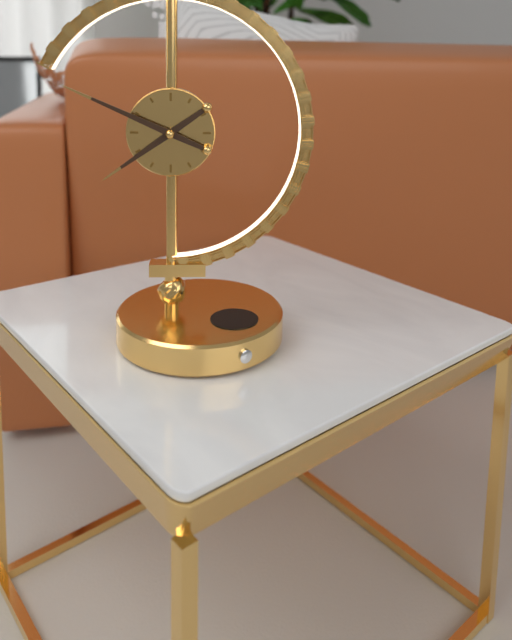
7:49
